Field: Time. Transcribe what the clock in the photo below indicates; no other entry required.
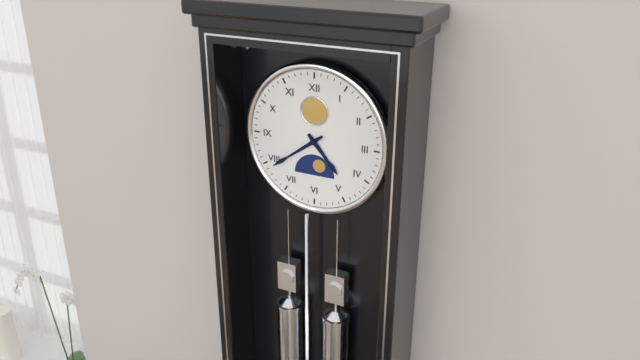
4:39
